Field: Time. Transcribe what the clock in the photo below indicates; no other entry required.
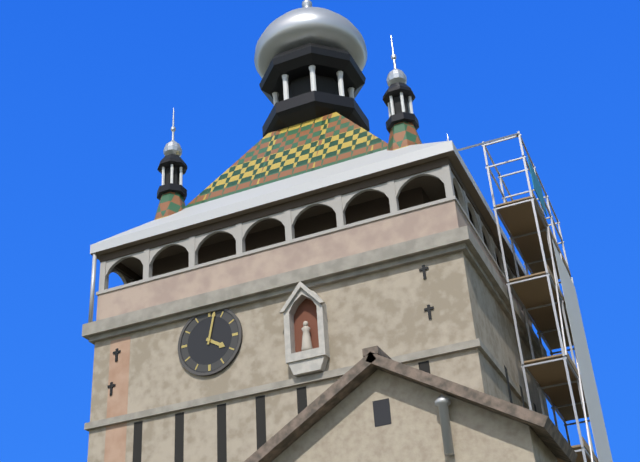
4:02
